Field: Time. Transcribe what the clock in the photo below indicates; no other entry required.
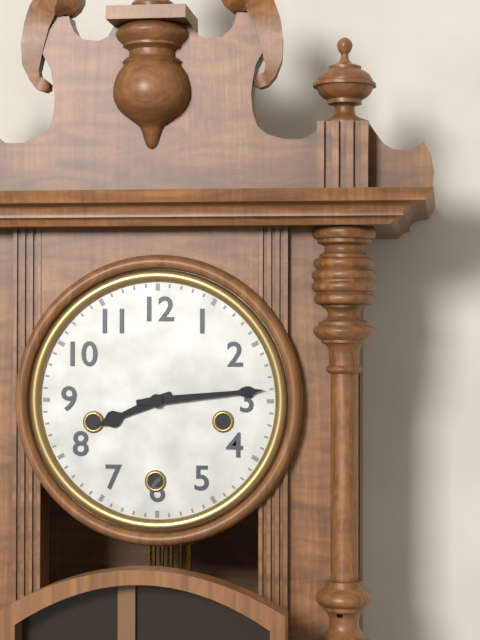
8:14
